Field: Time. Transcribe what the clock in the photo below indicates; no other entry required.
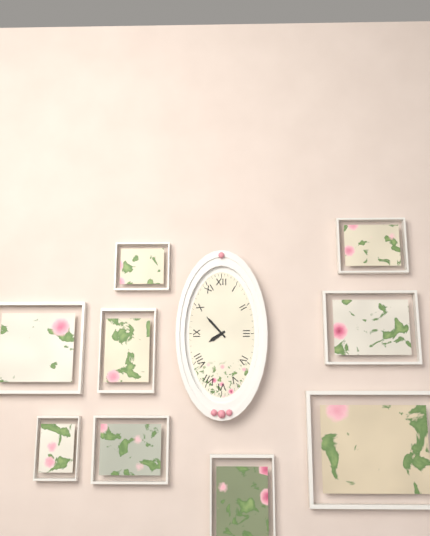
7:53
